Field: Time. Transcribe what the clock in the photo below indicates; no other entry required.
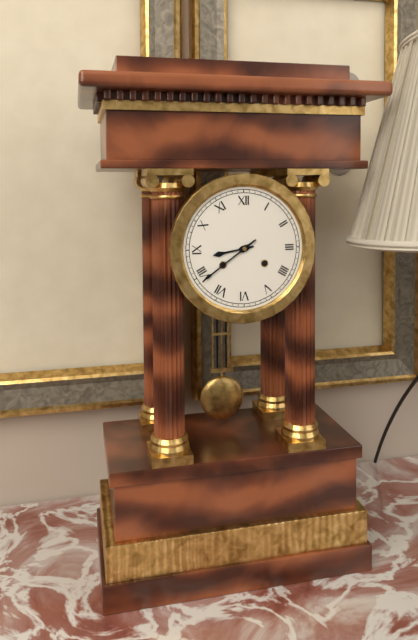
8:39
